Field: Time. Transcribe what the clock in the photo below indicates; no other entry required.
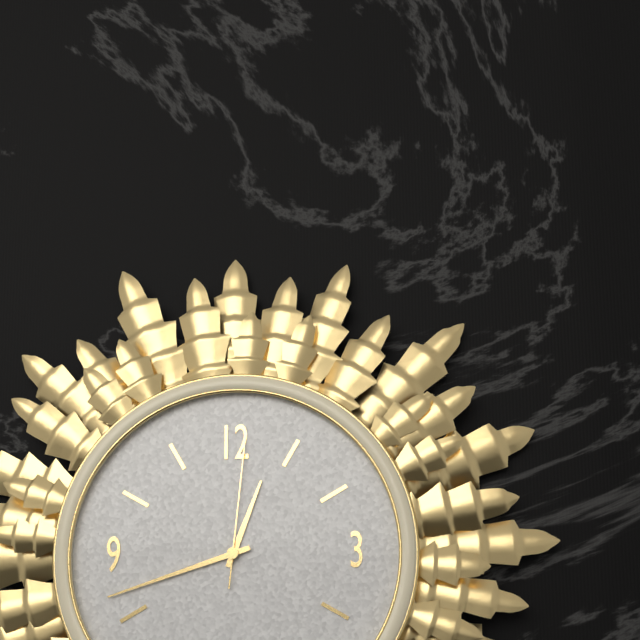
12:42:01
